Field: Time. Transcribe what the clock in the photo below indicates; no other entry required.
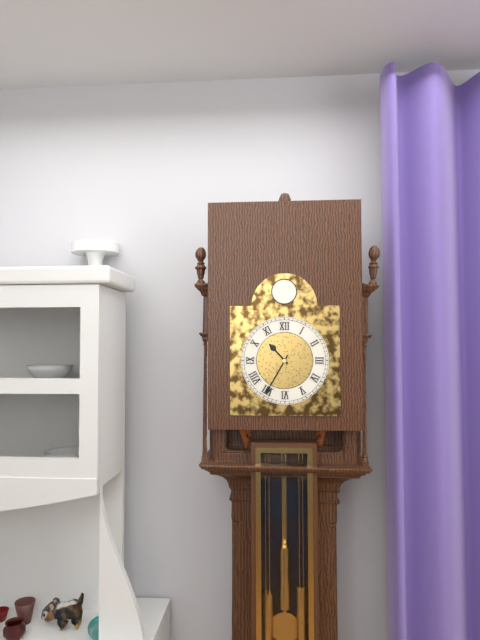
10:35
